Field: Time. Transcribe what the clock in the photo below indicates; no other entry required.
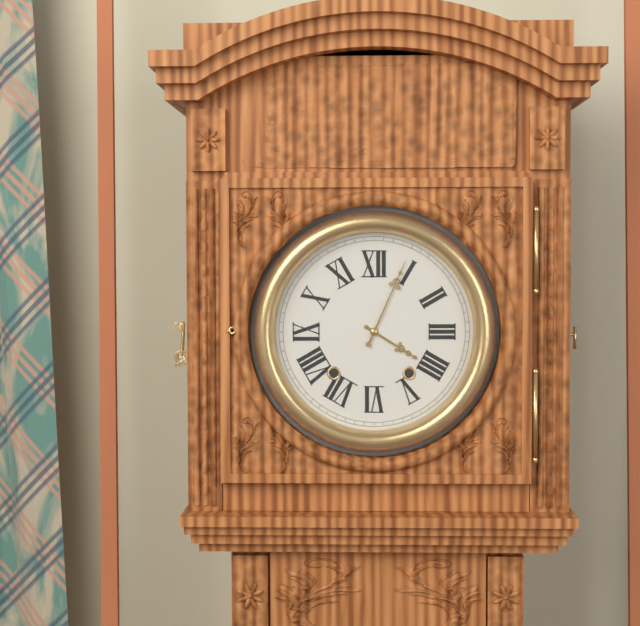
4:04
